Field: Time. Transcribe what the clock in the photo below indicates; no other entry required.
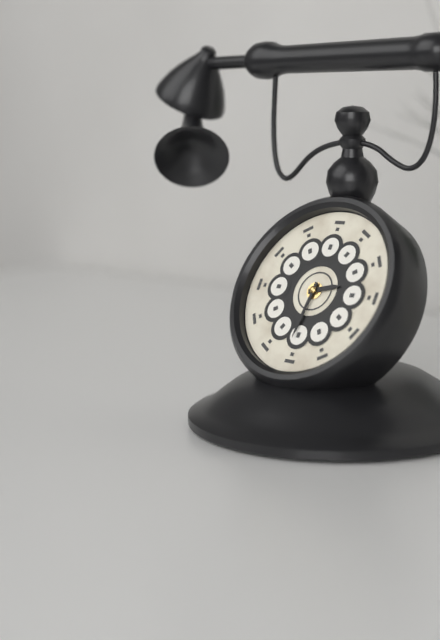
2:31
